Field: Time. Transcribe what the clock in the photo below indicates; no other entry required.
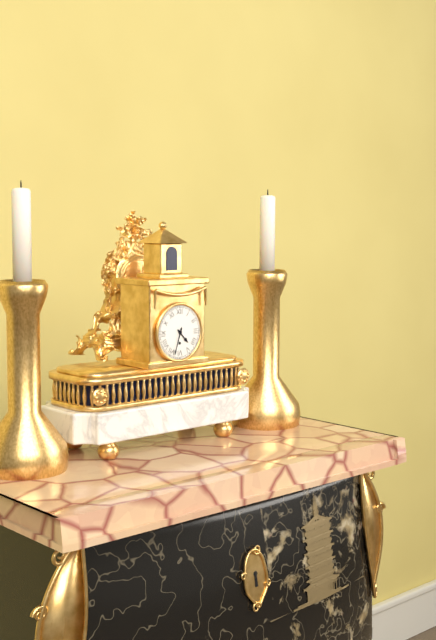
4:33
